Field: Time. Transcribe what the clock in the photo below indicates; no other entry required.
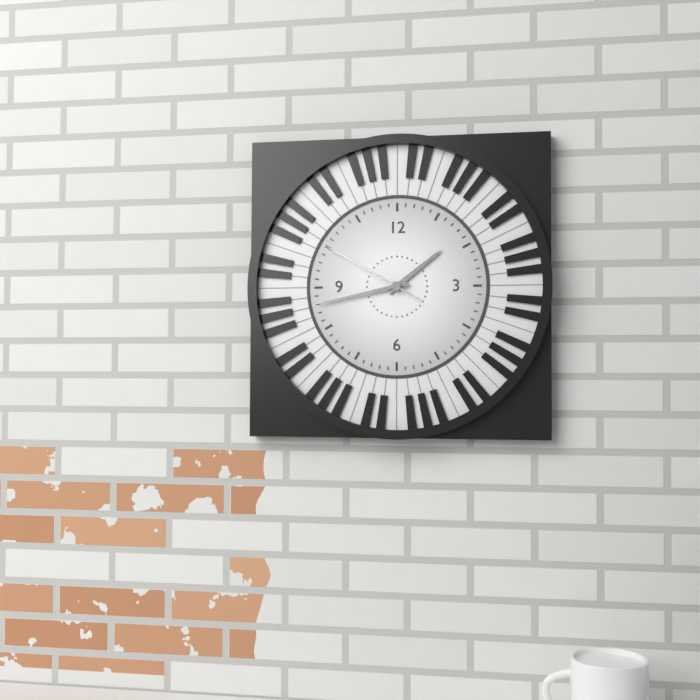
1:43:50
